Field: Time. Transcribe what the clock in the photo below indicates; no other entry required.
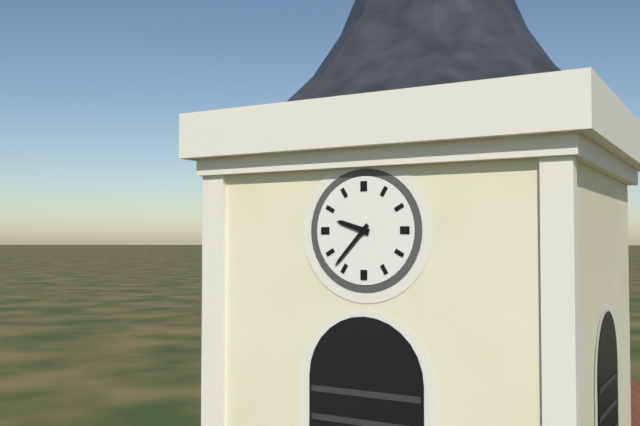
9:37
